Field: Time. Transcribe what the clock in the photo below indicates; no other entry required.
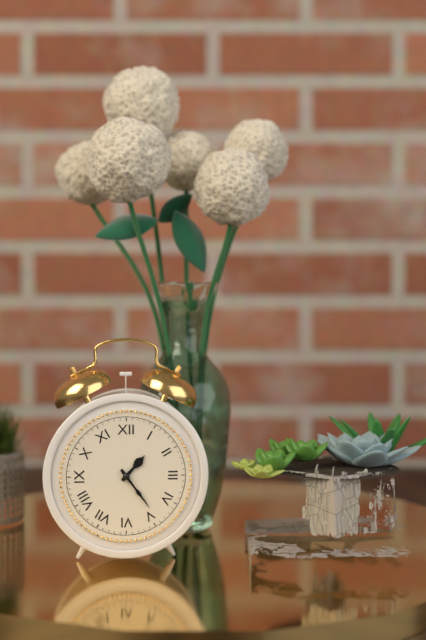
1:24
